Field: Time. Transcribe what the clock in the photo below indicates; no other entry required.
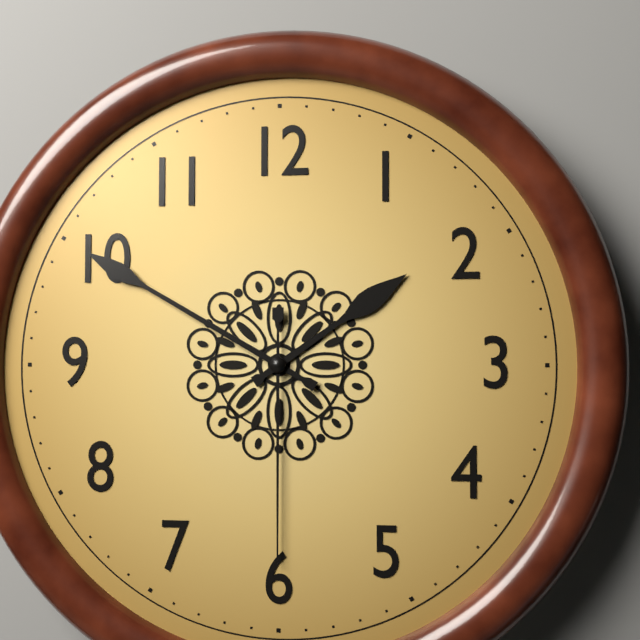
1:50:30
